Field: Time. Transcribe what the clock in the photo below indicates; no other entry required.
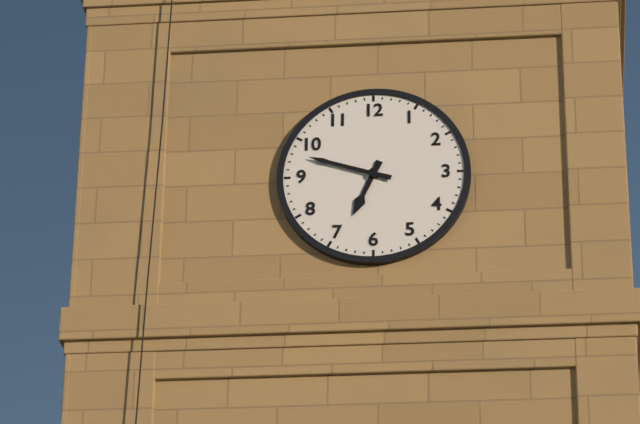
6:48
